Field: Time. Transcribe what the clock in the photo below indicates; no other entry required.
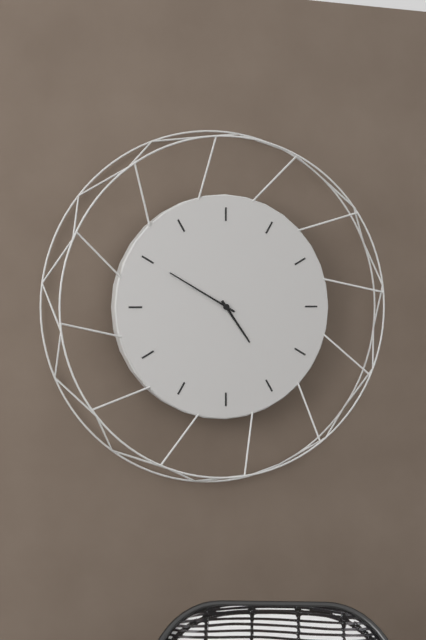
4:50
